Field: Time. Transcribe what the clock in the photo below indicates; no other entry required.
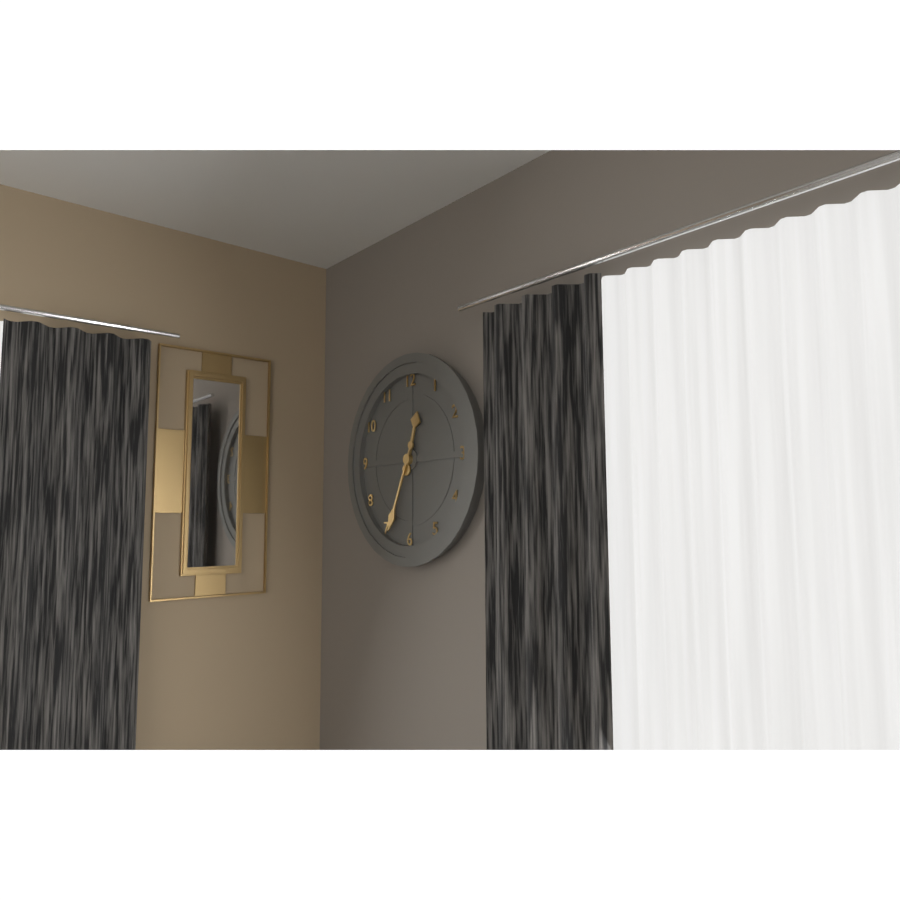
12:34
